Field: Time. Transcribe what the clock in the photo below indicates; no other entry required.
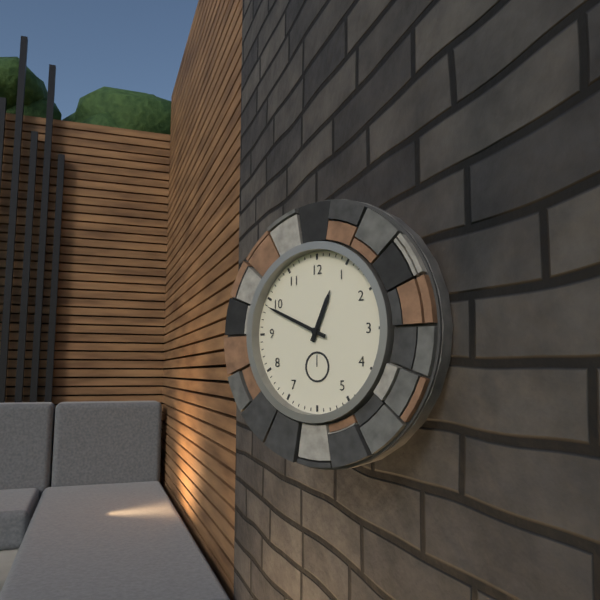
12:49
